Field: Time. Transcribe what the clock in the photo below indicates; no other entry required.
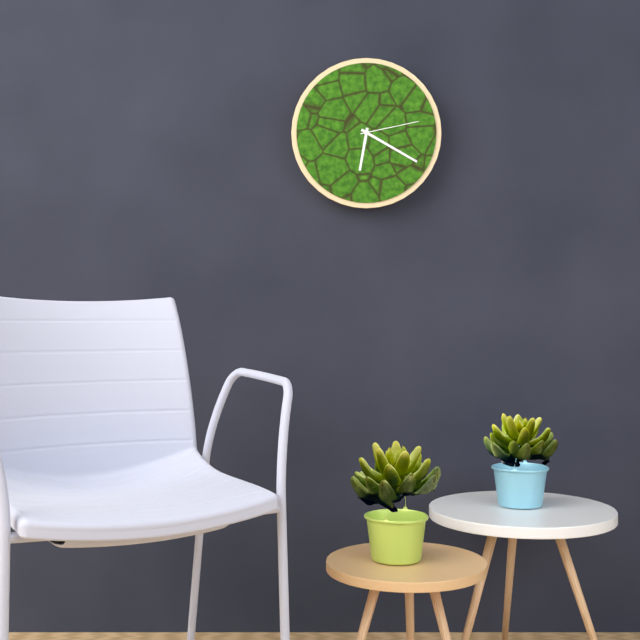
6:20:13
